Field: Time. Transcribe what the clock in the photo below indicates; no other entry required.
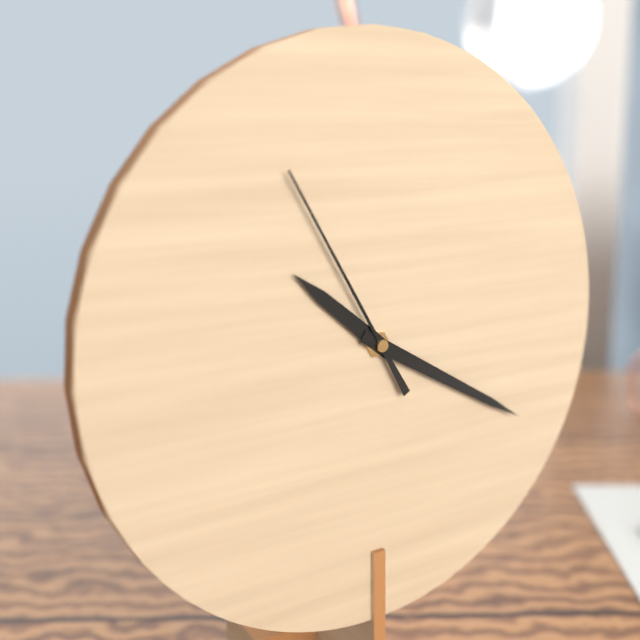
10:20:55
